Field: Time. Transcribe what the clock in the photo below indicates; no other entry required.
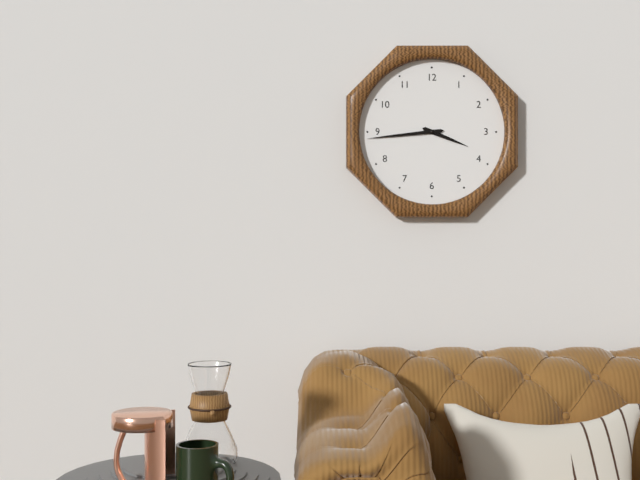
3:44
